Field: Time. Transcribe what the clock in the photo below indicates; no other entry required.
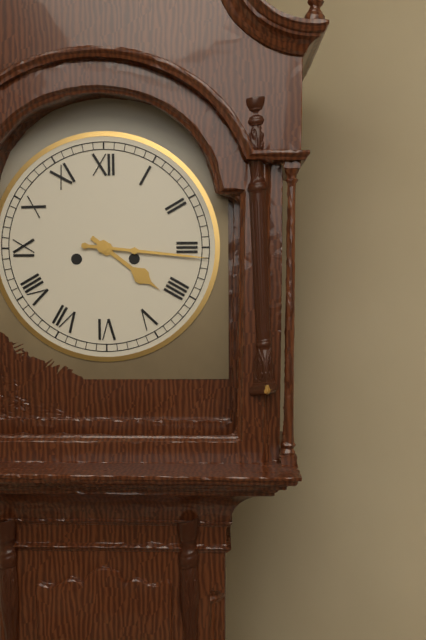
4:16
